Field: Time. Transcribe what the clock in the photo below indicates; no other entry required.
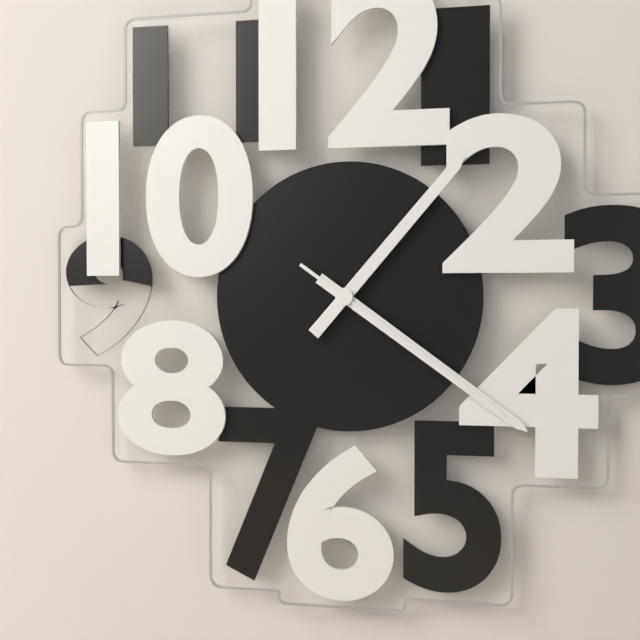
1:21:21
